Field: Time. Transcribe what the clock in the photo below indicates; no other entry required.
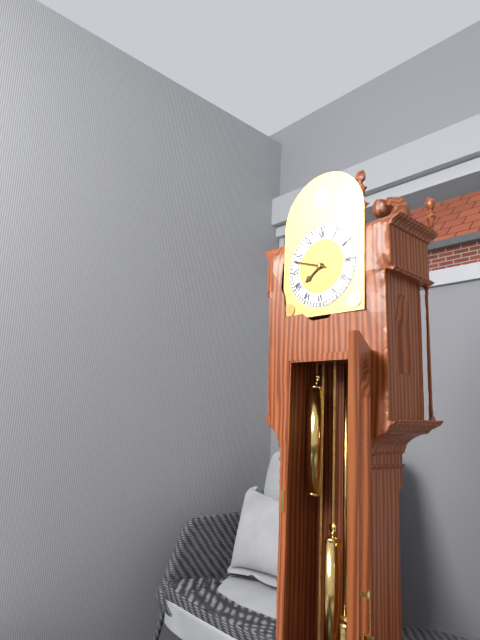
7:48
